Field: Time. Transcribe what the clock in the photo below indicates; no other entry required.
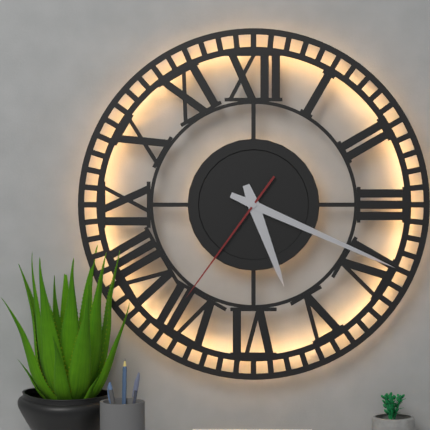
5:19:36
